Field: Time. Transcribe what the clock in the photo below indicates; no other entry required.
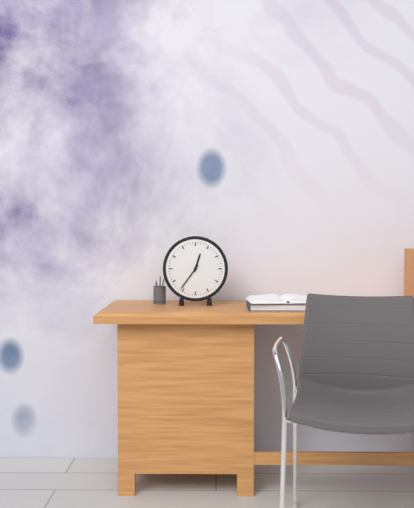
12:36
